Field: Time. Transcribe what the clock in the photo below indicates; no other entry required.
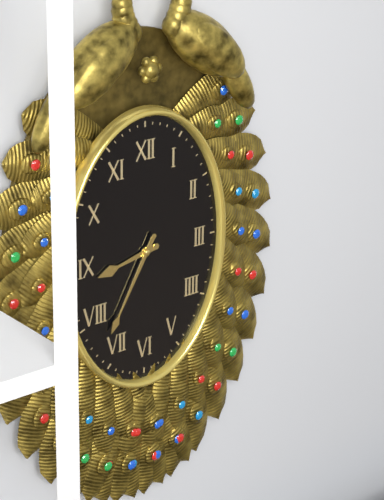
8:35
